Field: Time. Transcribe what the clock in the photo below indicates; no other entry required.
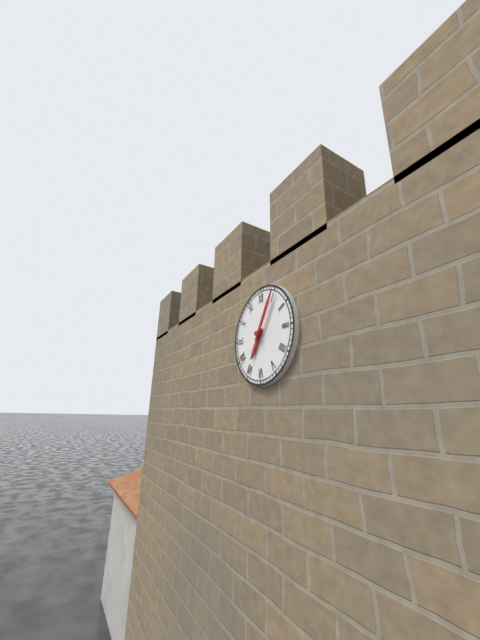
7:05
